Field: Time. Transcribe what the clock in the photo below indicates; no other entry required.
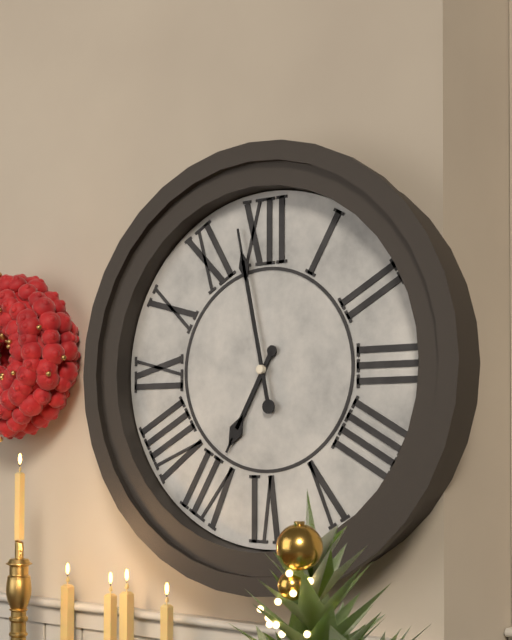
6:58
